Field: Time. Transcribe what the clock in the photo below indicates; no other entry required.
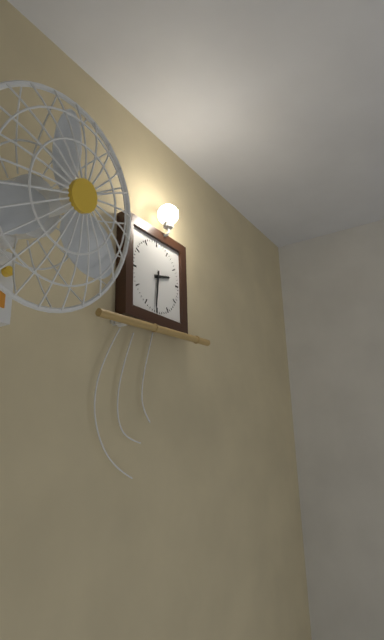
2:31
